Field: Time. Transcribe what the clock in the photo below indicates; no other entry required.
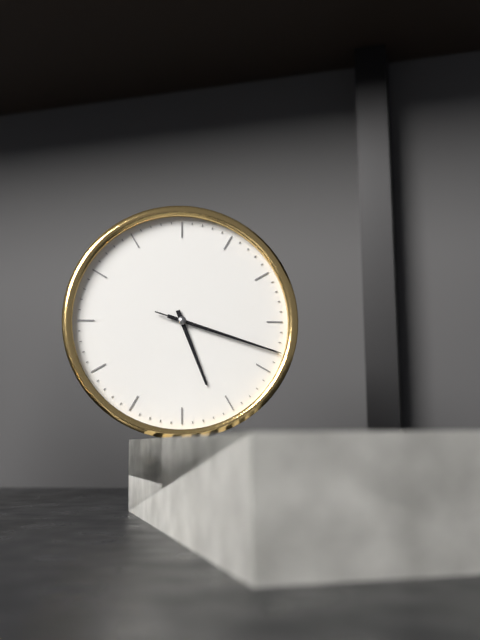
5:18:18
